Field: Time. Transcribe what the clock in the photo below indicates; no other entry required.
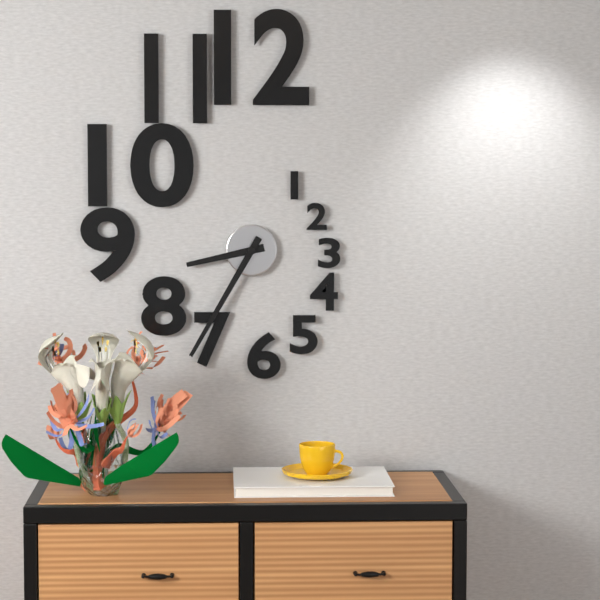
8:35
